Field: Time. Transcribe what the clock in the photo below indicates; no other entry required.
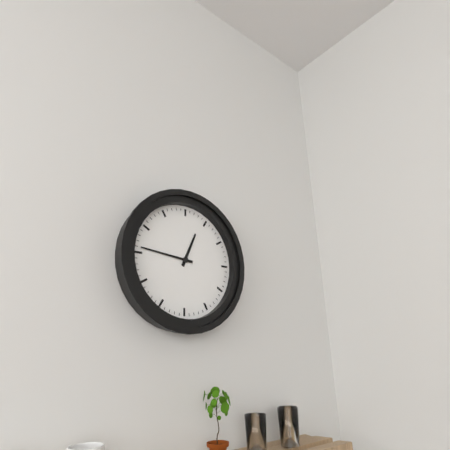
12:46
